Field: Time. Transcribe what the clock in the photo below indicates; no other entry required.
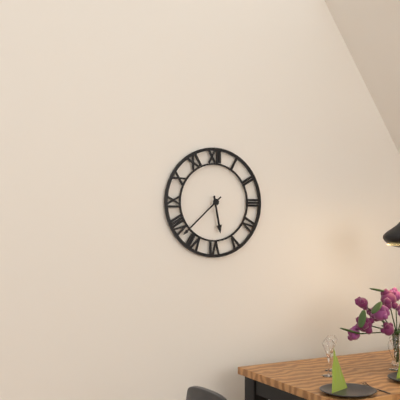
5:38
